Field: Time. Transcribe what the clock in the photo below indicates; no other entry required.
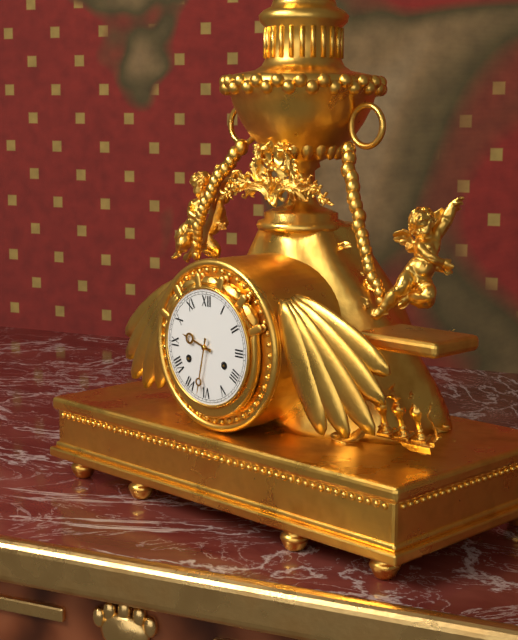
9:32
